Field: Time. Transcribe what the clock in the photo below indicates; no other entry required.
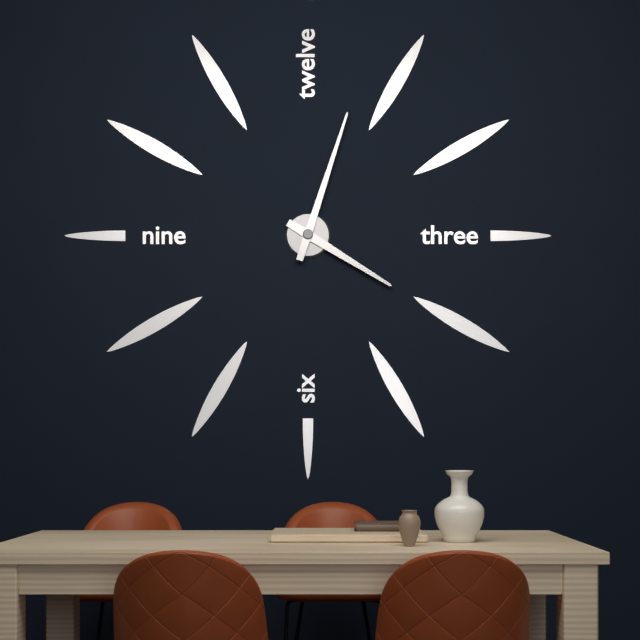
4:03
